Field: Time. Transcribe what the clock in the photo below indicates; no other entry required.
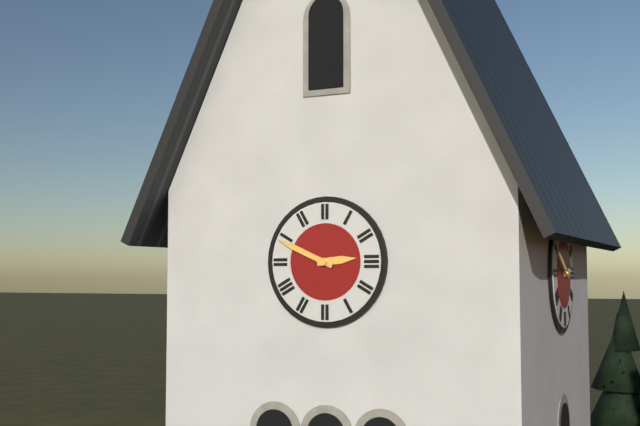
2:49
